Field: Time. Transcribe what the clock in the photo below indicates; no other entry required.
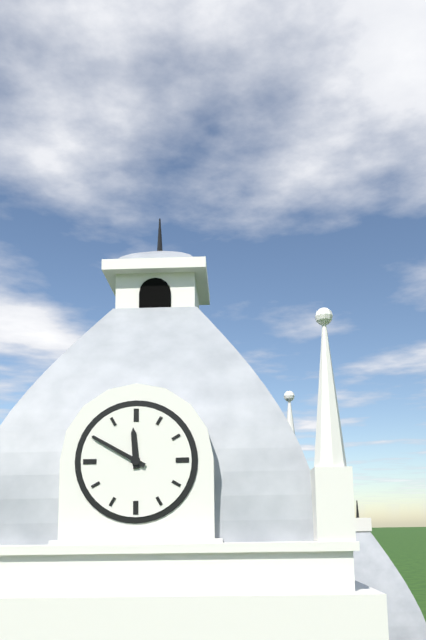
11:50
